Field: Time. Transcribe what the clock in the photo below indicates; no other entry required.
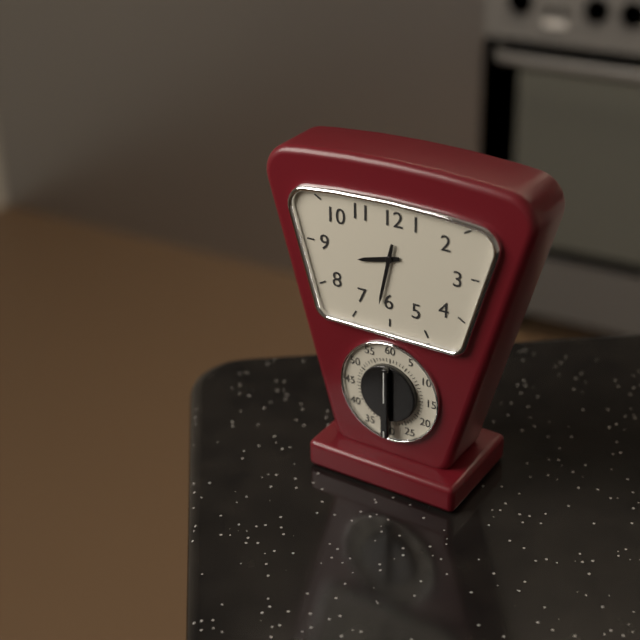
8:32
